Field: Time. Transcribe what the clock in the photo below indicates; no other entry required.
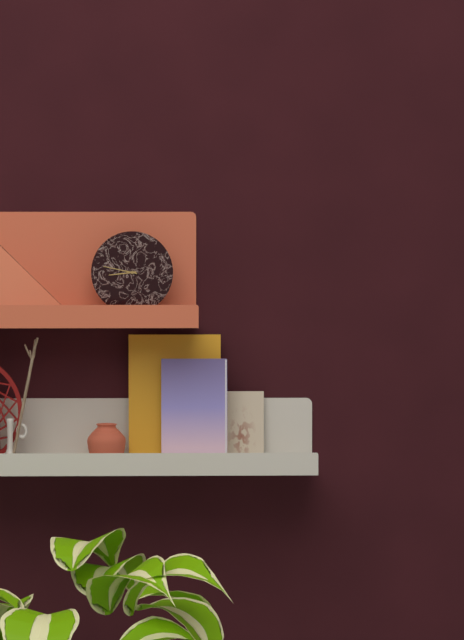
8:47
